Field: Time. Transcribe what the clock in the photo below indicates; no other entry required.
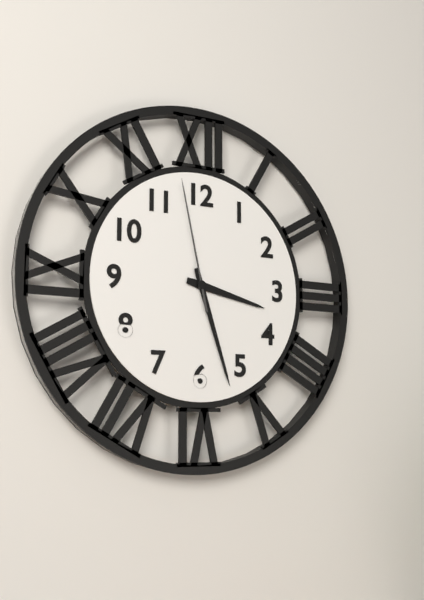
3:27:58
